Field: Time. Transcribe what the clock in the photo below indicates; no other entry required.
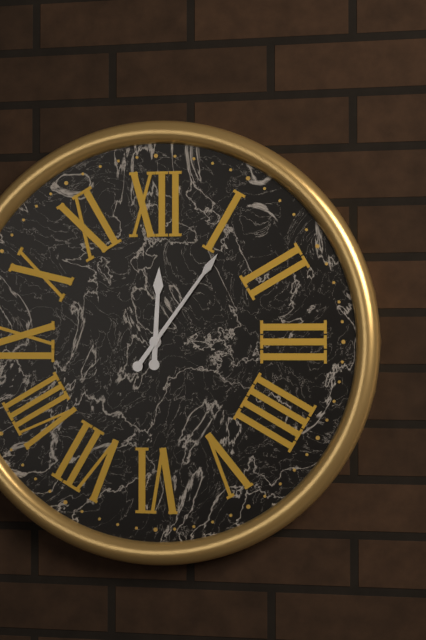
12:06
